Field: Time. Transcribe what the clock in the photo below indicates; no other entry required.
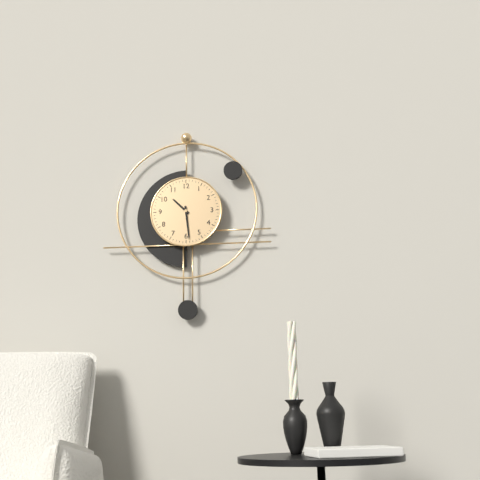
10:29
